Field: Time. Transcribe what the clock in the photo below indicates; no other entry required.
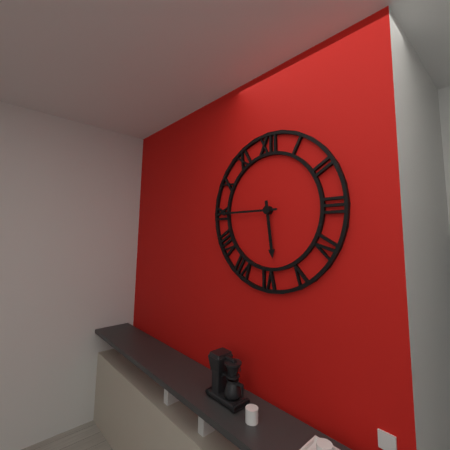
5:45
